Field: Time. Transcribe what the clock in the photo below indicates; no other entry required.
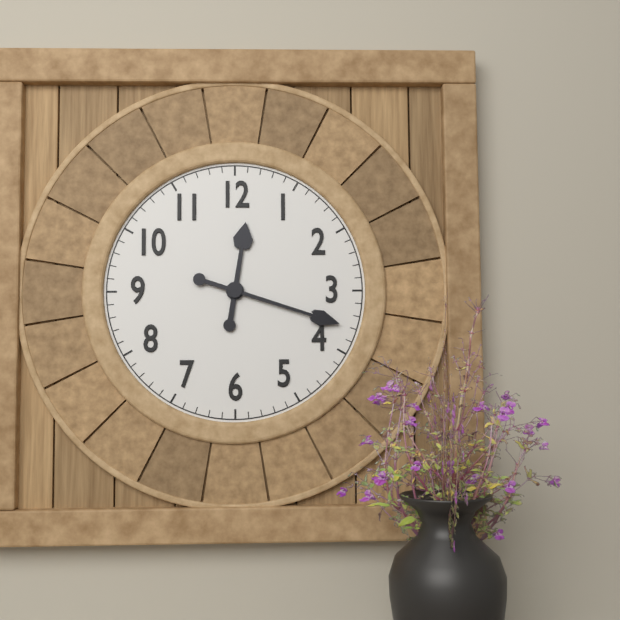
12:18
